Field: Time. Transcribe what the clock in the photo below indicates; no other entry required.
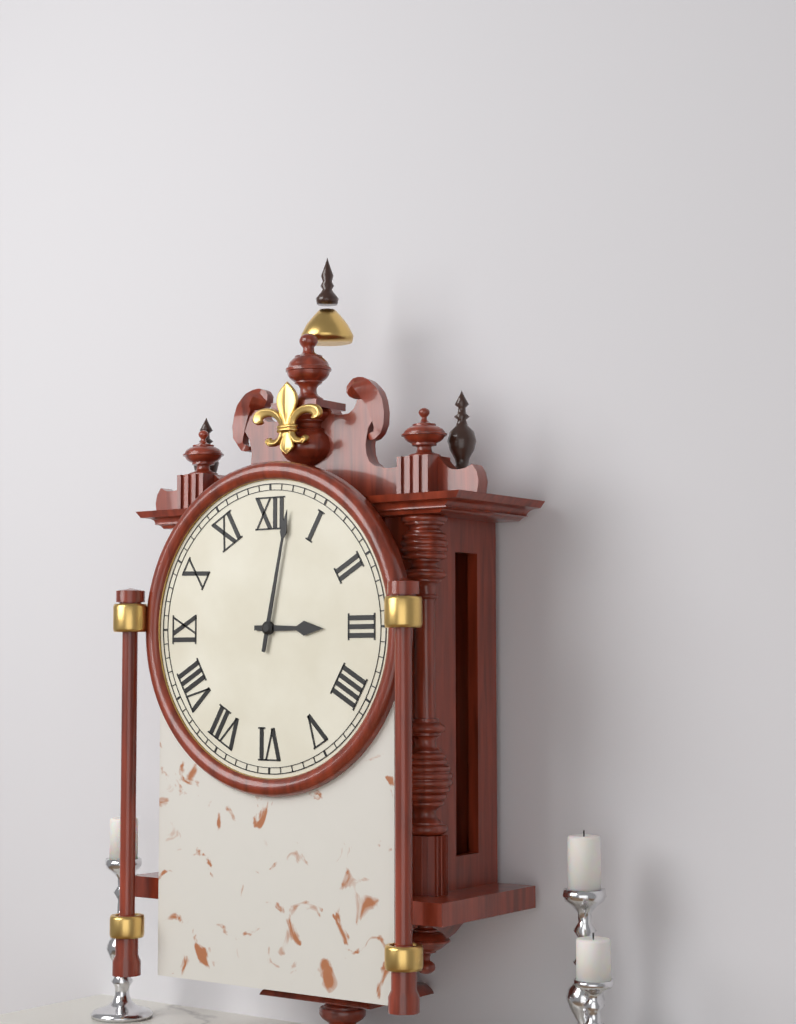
3:02
